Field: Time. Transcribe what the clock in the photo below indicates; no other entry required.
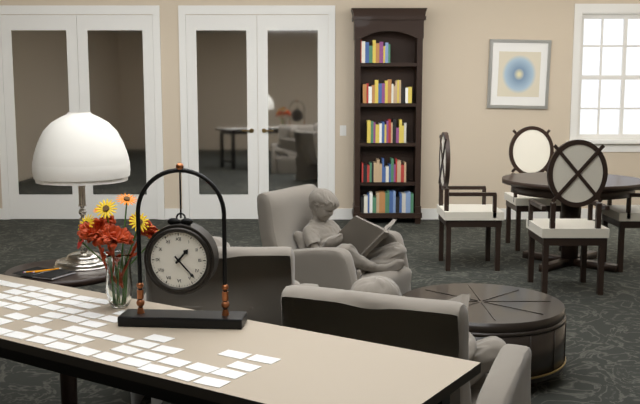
1:23
